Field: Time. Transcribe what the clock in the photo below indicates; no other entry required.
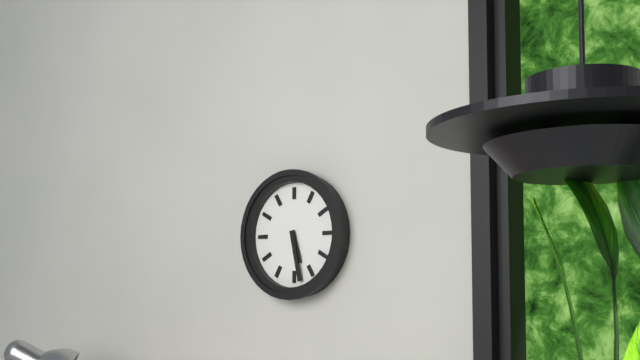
5:28
